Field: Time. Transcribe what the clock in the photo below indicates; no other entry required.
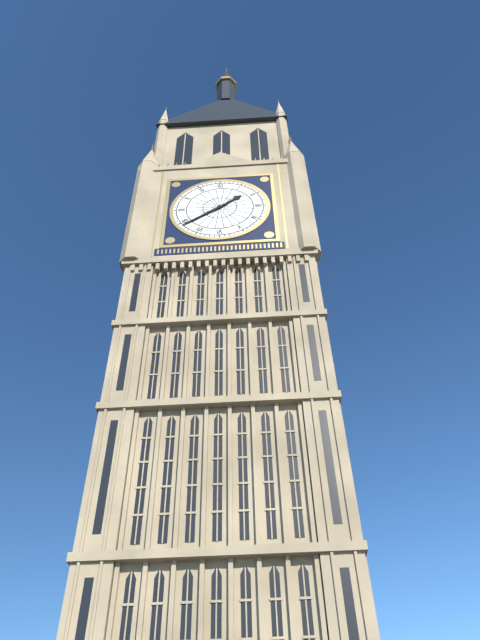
1:39
